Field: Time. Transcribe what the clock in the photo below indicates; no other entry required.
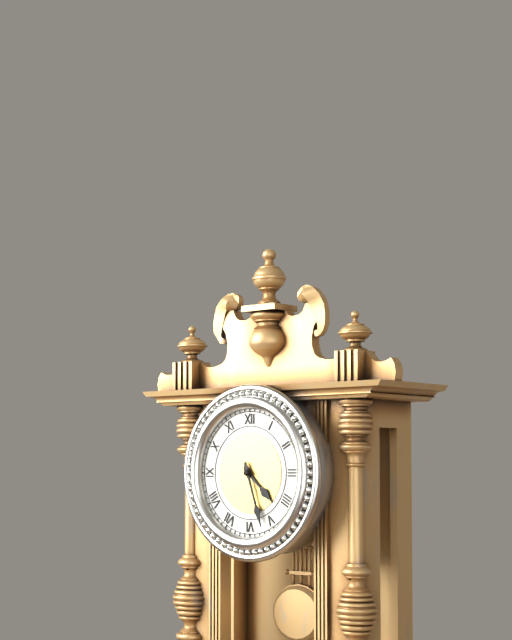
4:27
